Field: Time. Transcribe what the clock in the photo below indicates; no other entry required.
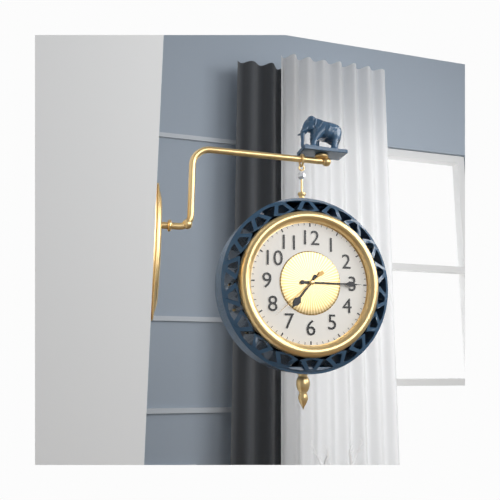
7:15:38
